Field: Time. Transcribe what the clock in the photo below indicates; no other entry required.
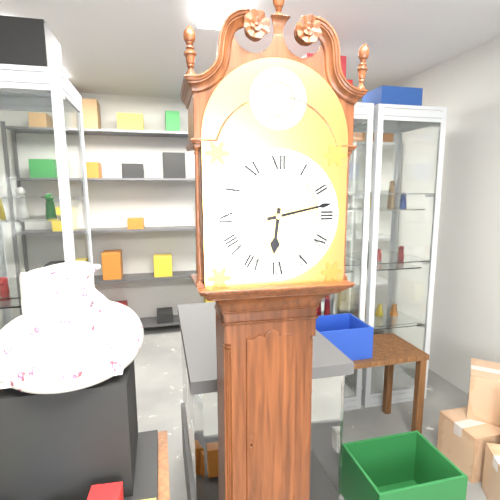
6:13
